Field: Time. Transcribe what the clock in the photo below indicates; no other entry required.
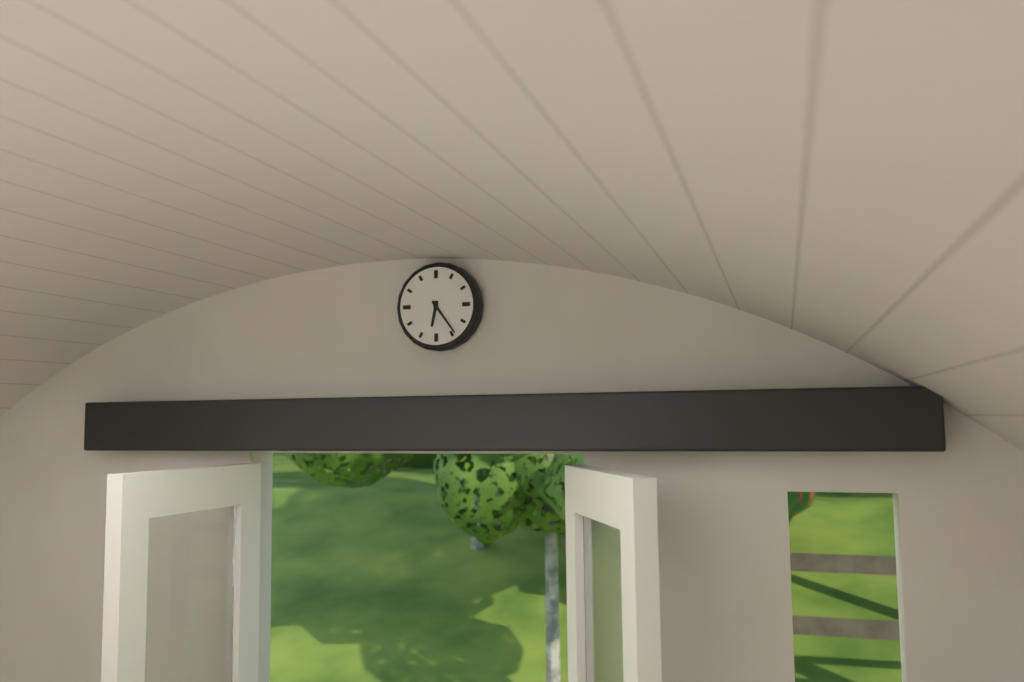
6:24
